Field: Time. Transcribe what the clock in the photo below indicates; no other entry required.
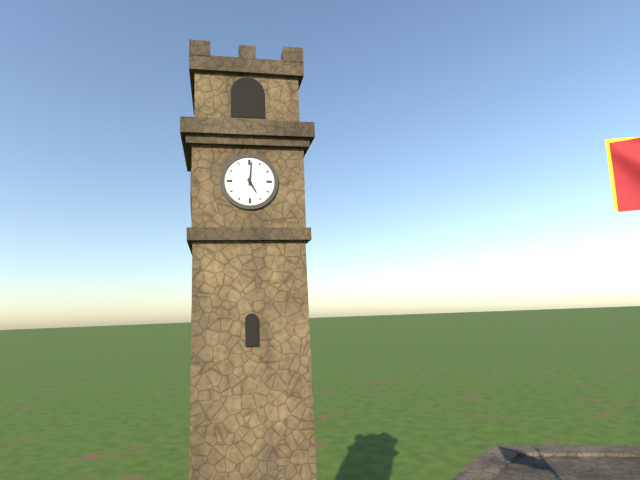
5:01
